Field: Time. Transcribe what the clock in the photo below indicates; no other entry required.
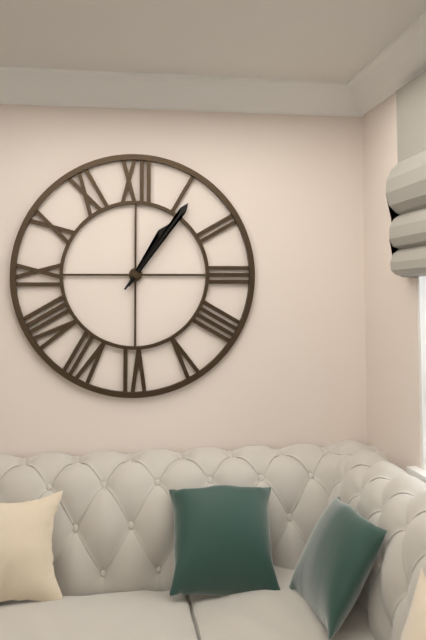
1:06
